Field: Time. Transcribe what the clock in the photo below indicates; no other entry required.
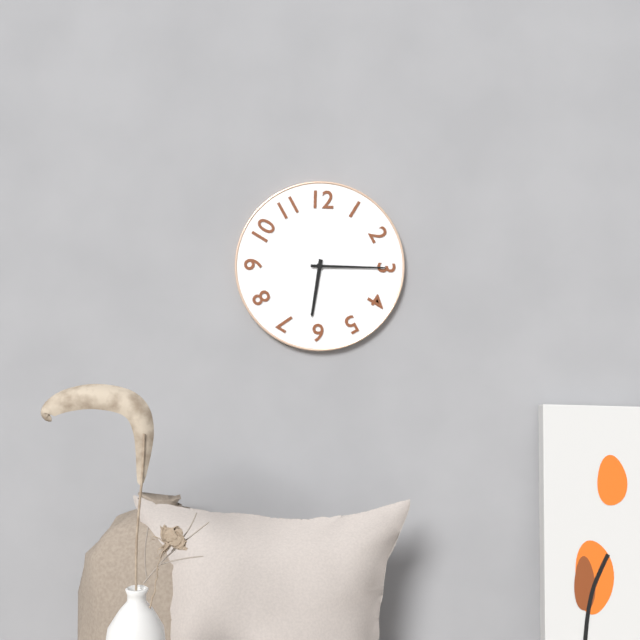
6:15
